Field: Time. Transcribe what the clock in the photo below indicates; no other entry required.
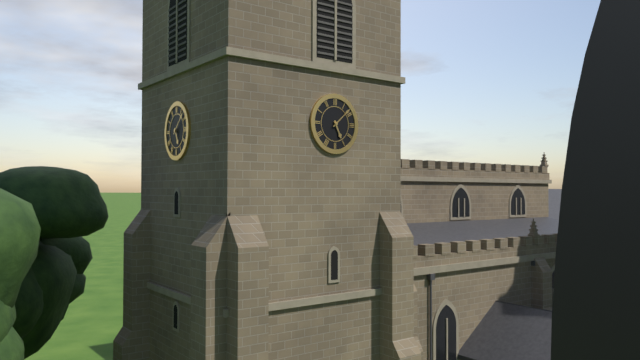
5:08
